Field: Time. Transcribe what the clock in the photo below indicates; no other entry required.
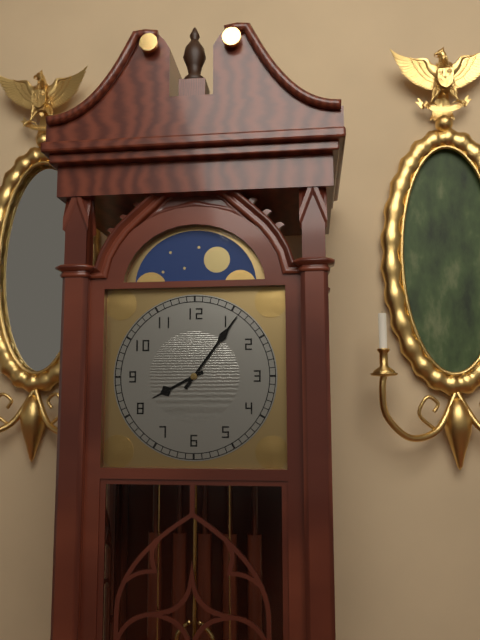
8:06
